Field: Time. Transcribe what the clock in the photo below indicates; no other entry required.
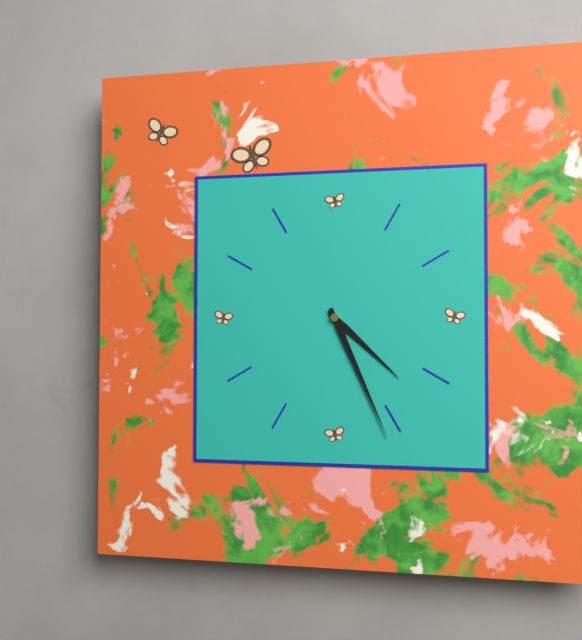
4:26
